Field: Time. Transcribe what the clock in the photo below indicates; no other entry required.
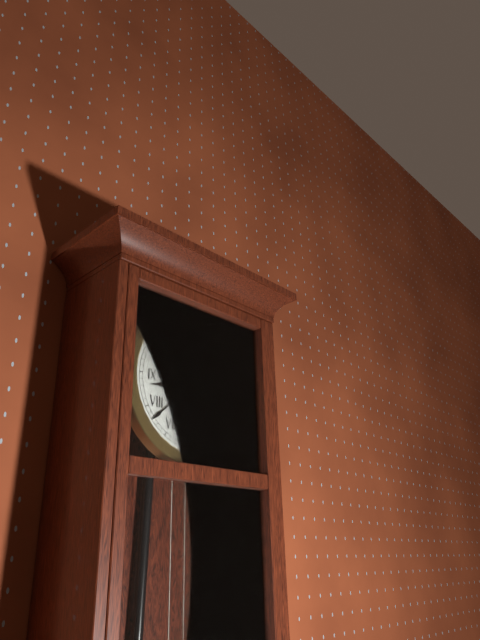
8:38
